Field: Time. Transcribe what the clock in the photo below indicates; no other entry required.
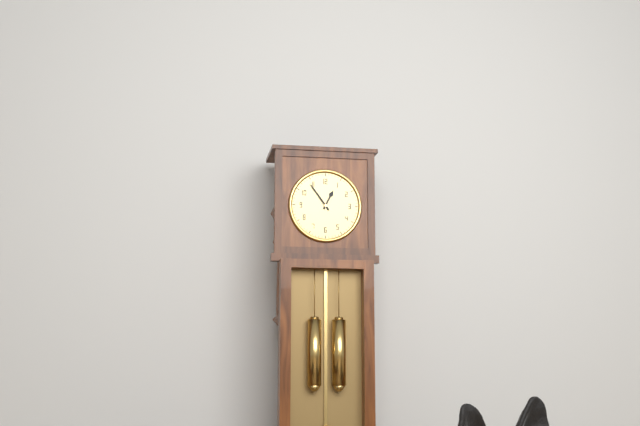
12:54
